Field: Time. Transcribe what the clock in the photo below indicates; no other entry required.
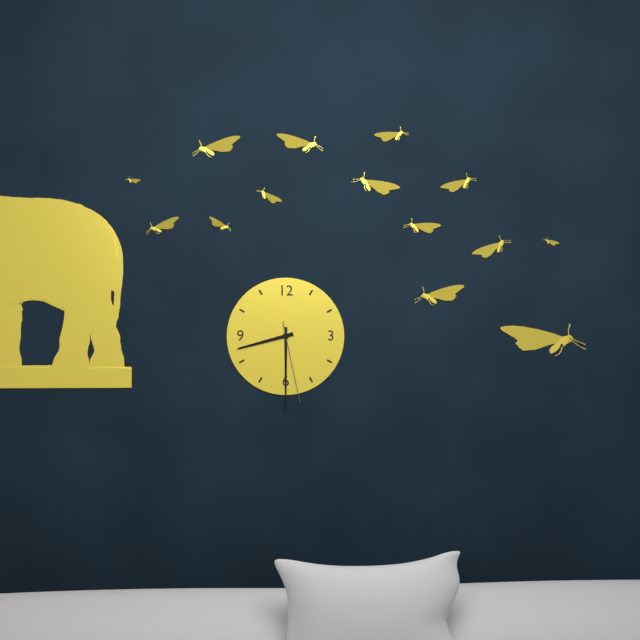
8:30:28
